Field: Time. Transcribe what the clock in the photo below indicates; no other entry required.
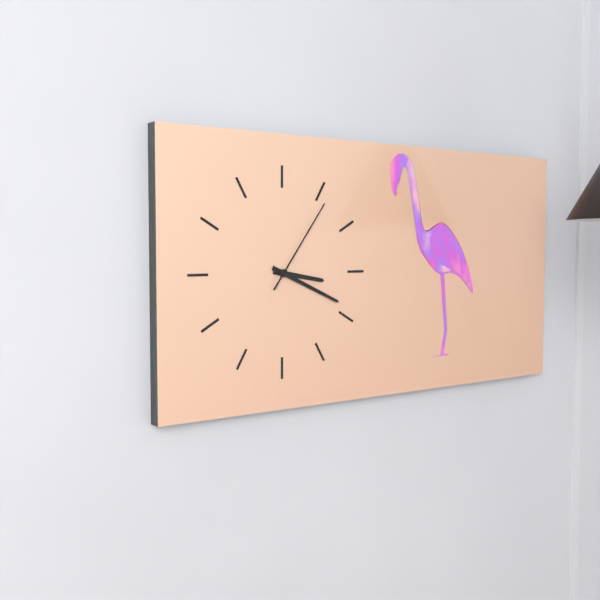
3:19:06
